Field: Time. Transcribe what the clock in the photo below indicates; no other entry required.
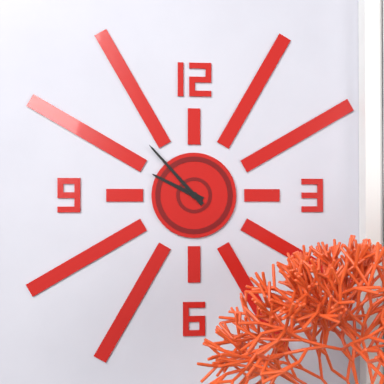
9:53
